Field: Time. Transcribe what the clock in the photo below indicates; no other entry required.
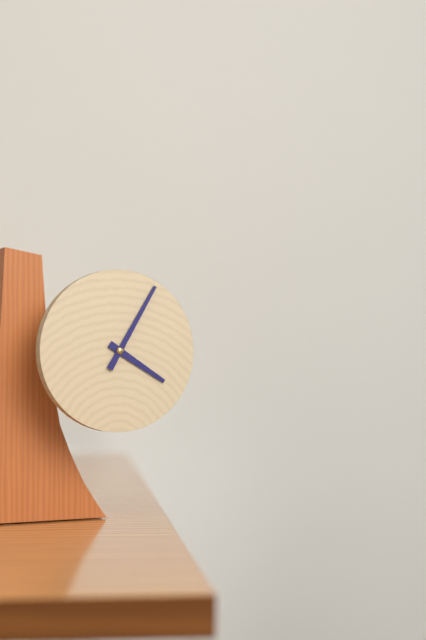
4:05
